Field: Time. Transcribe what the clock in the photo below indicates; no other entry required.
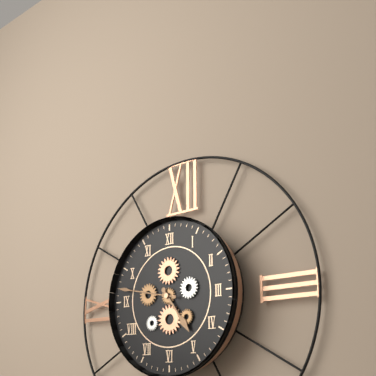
4:47
